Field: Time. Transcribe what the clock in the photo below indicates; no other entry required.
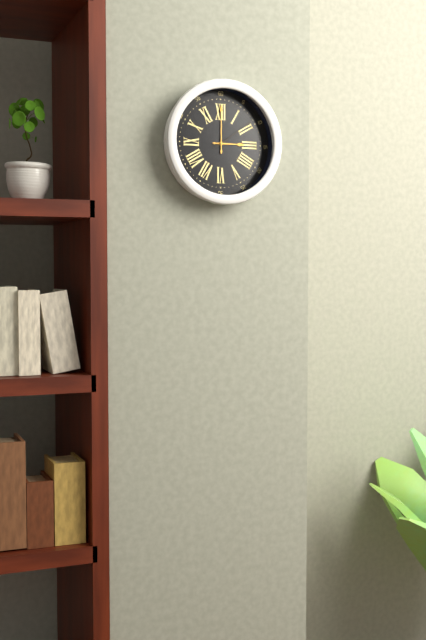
3:00:09
